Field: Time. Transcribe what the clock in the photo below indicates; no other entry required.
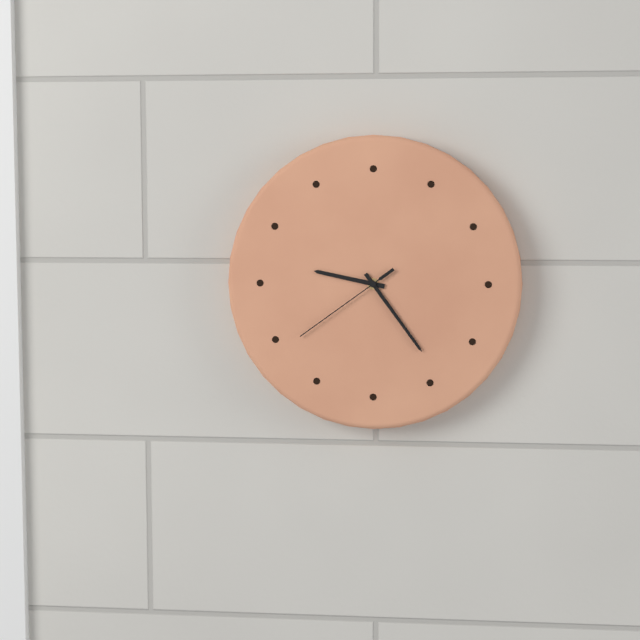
9:24:39
